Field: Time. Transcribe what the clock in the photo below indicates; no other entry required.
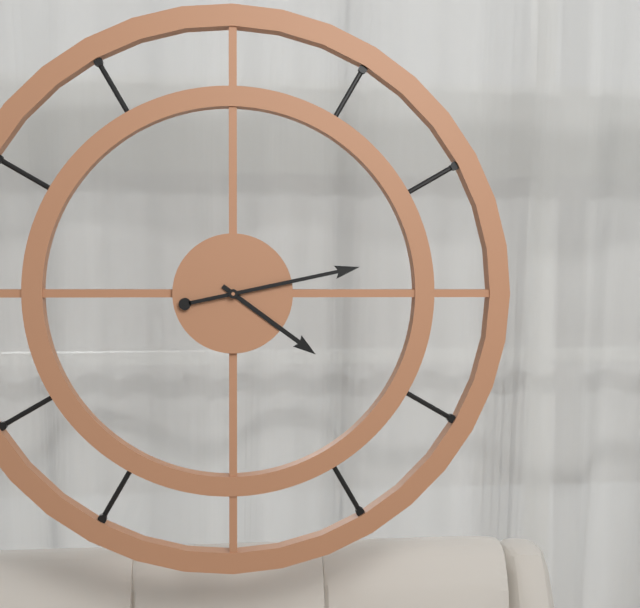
4:13
